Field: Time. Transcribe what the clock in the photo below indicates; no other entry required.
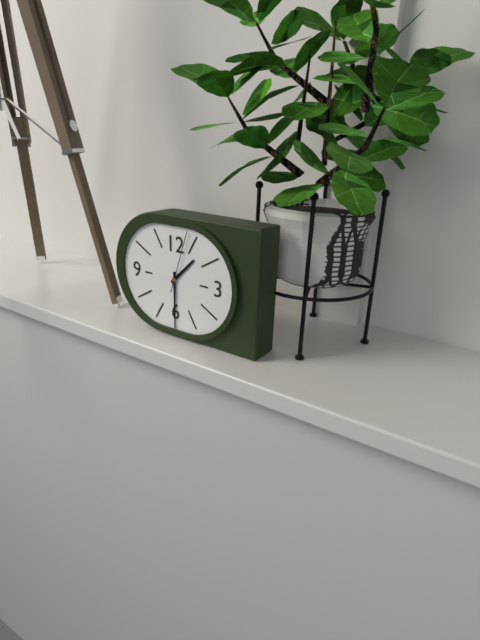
1:30:03
